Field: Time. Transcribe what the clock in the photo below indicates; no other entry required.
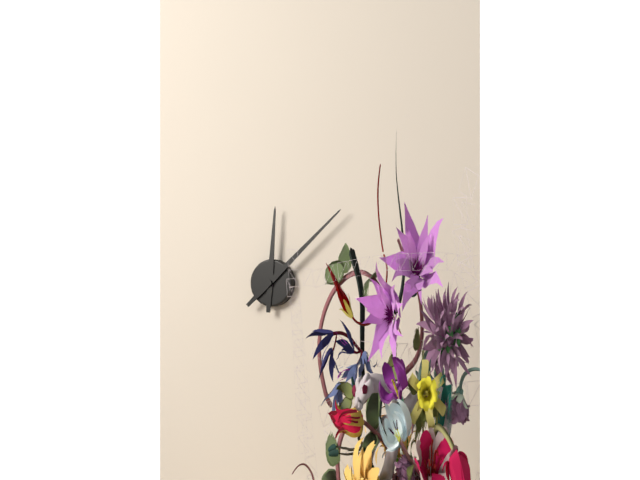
12:08
